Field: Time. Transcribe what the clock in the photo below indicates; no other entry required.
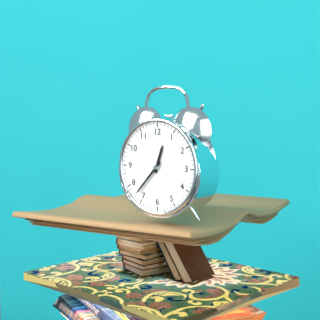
12:37
